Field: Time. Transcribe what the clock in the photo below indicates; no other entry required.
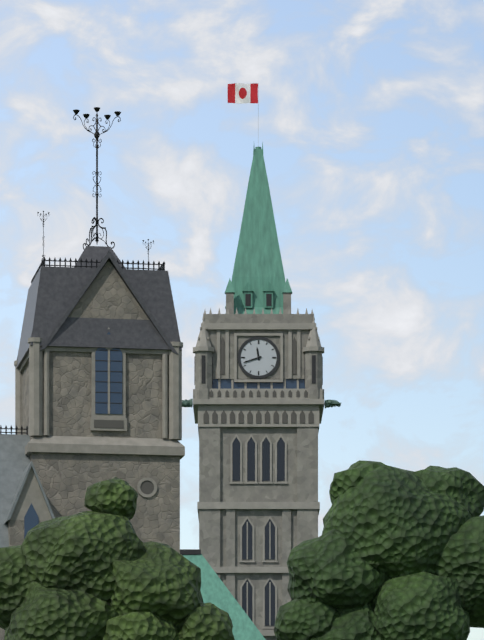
11:42
